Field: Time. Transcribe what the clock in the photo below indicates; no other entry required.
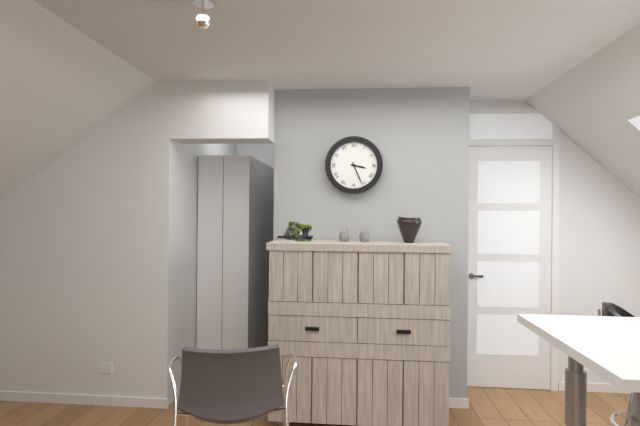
3:26
